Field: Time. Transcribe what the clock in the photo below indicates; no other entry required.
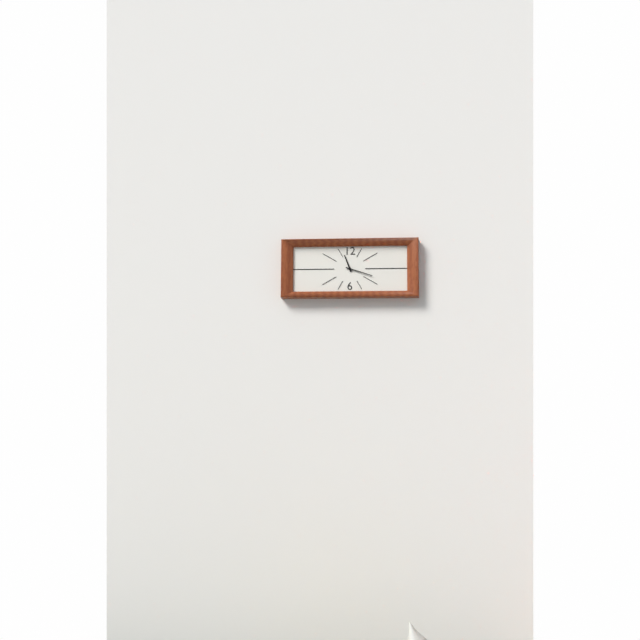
11:18
